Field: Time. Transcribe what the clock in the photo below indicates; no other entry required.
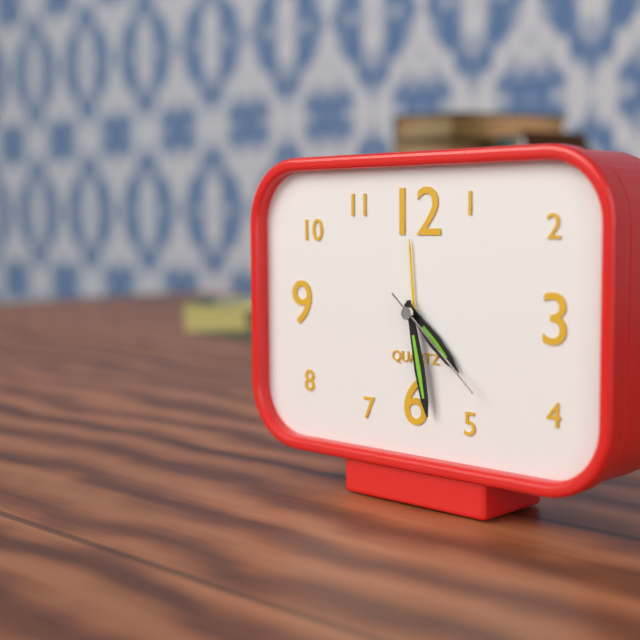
4:28:22
